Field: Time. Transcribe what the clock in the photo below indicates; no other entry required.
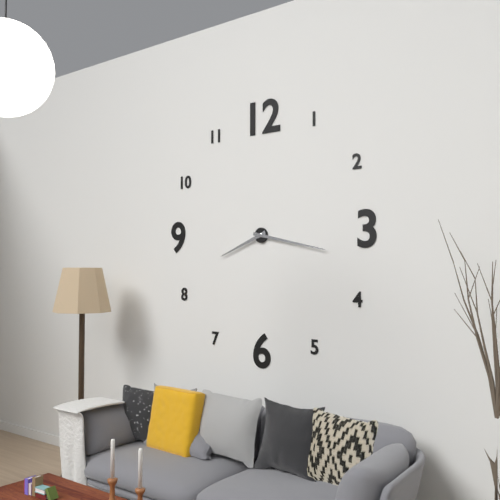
8:17
